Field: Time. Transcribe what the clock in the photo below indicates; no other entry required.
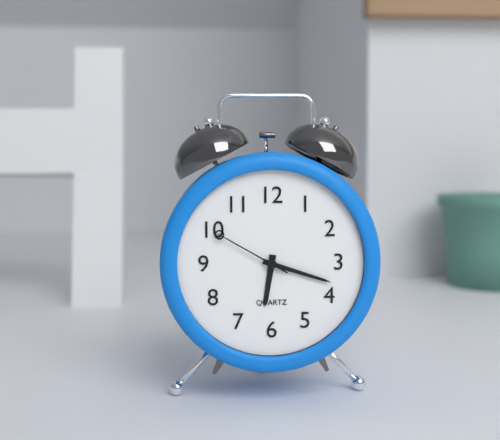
6:18:50
